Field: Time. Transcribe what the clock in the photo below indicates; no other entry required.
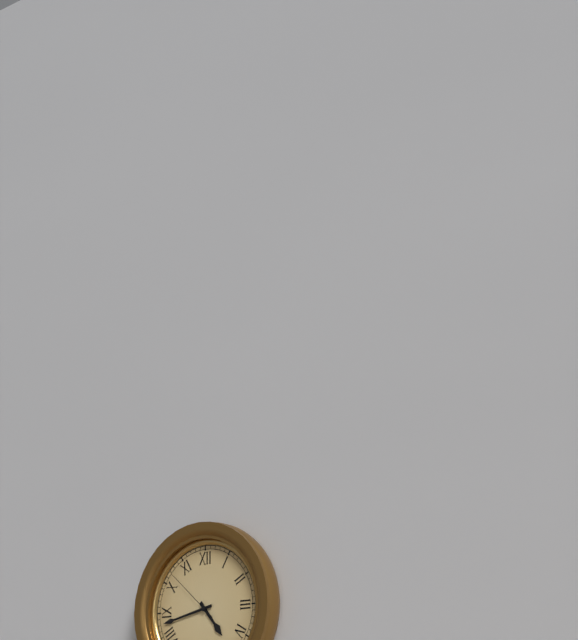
4:43:52
